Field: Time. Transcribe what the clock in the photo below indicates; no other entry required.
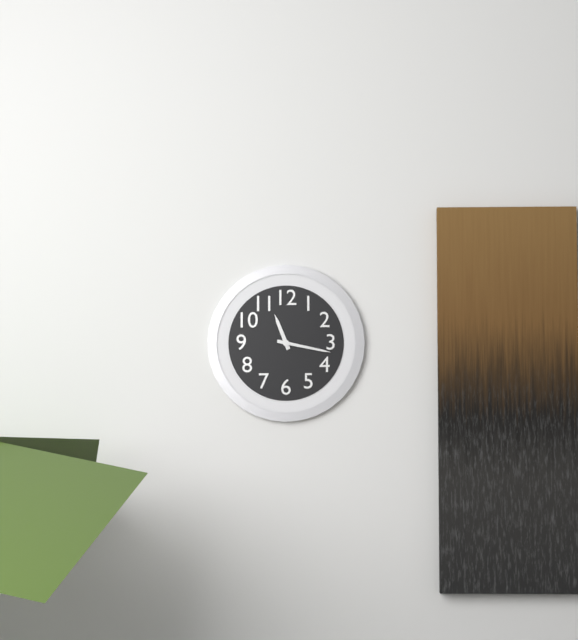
11:17
